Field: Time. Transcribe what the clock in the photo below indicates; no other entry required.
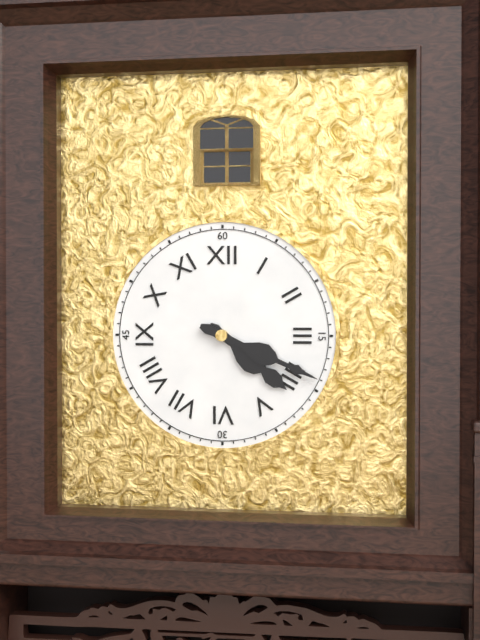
4:19
